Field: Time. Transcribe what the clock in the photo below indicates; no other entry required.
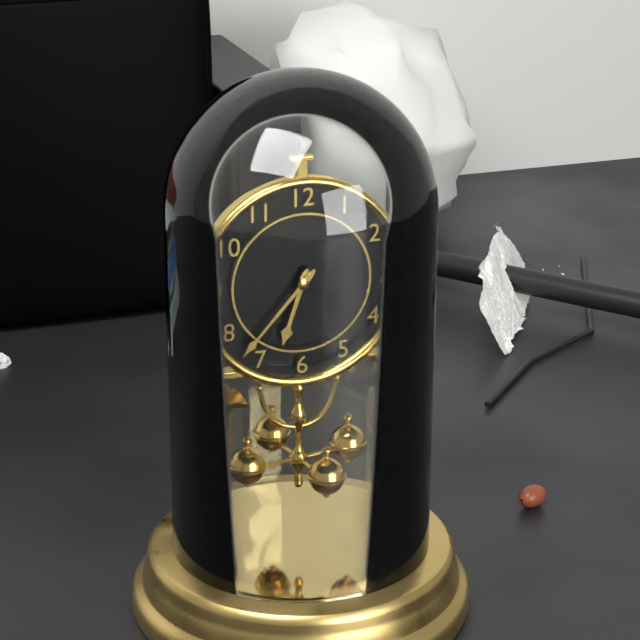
6:37
